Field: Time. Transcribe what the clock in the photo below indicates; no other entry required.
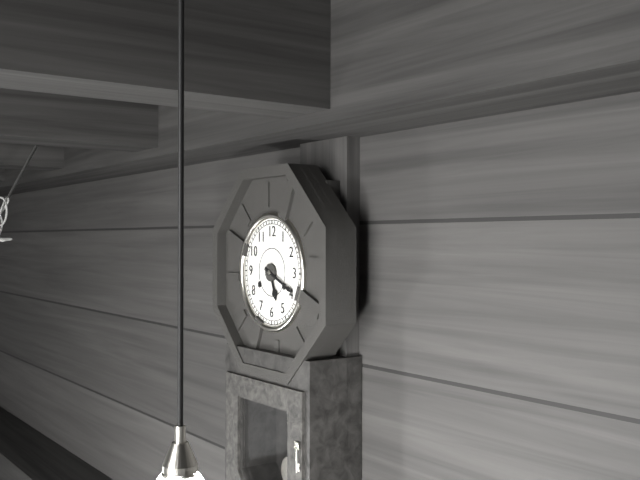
5:19
